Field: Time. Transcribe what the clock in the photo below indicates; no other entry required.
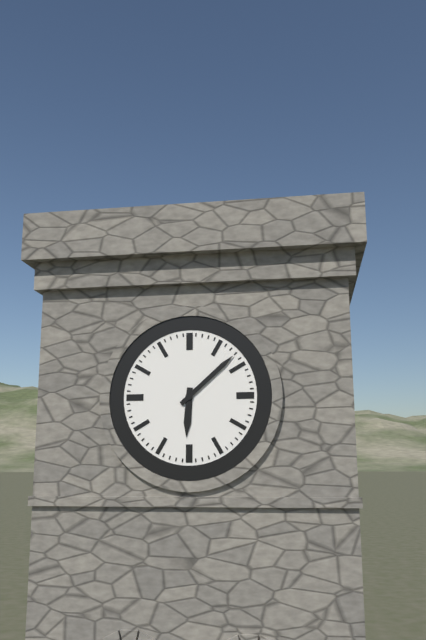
6:08
